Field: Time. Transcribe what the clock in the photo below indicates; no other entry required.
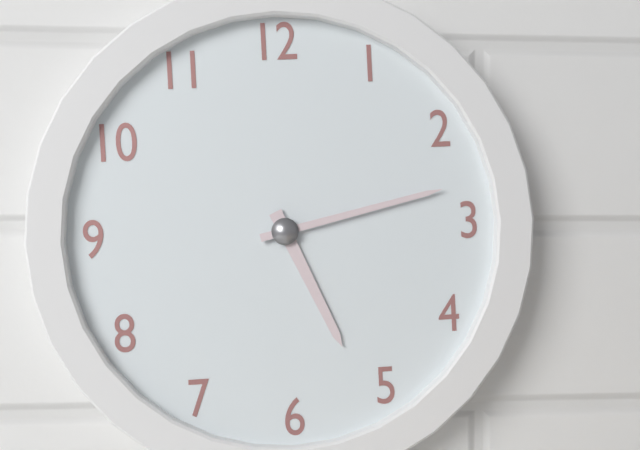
5:13
